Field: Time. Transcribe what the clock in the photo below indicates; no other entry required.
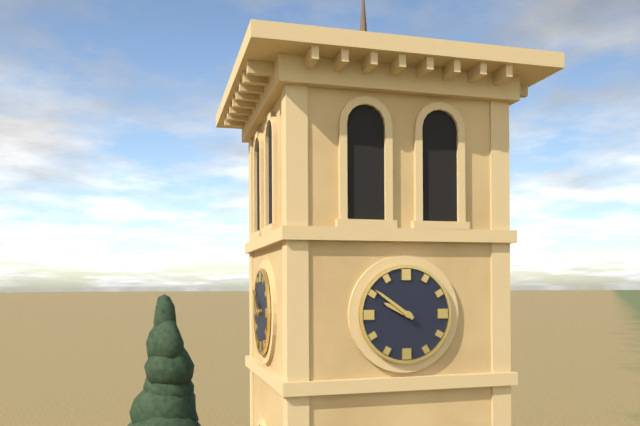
9:51
